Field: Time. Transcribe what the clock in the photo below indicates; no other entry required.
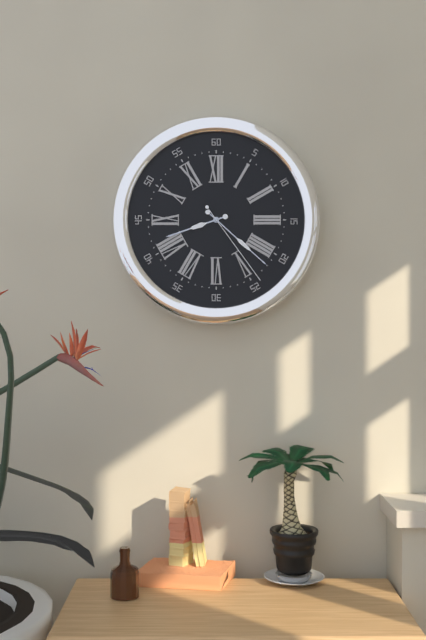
8:22:24
